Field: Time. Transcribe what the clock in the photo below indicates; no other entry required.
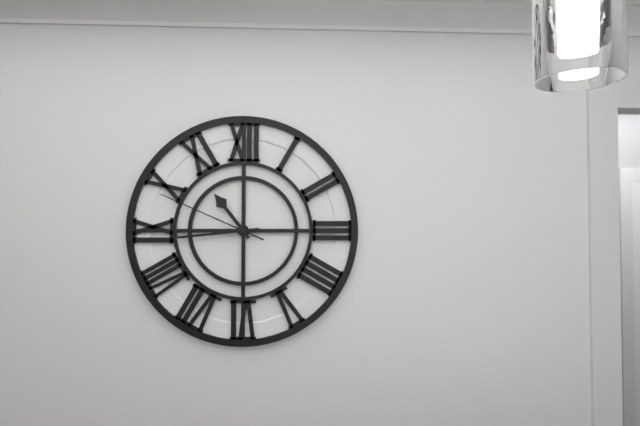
10:44:49
